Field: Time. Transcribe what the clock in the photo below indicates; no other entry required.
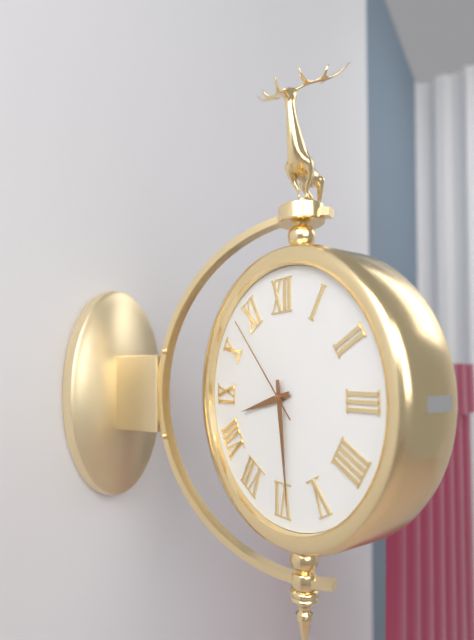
8:29:53
